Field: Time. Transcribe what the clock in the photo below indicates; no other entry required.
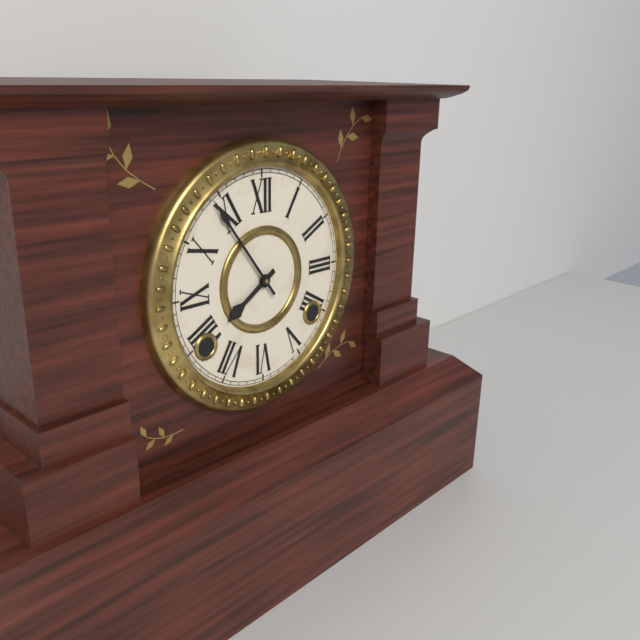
7:54
